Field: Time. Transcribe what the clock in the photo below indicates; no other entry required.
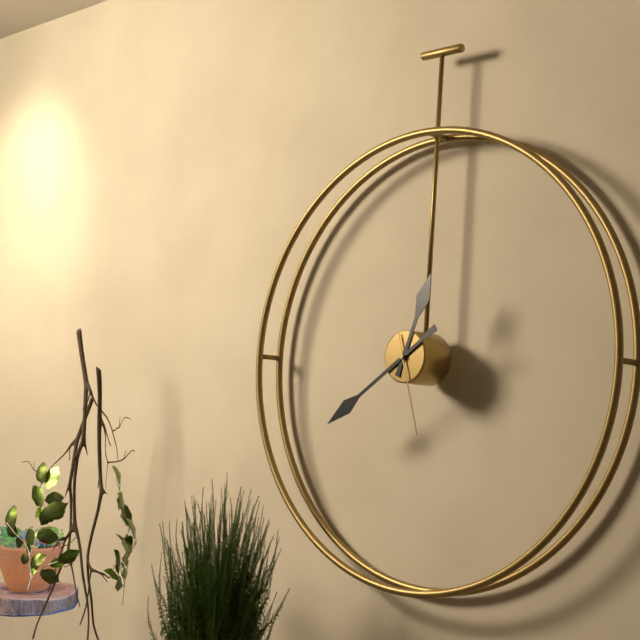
12:39:27
